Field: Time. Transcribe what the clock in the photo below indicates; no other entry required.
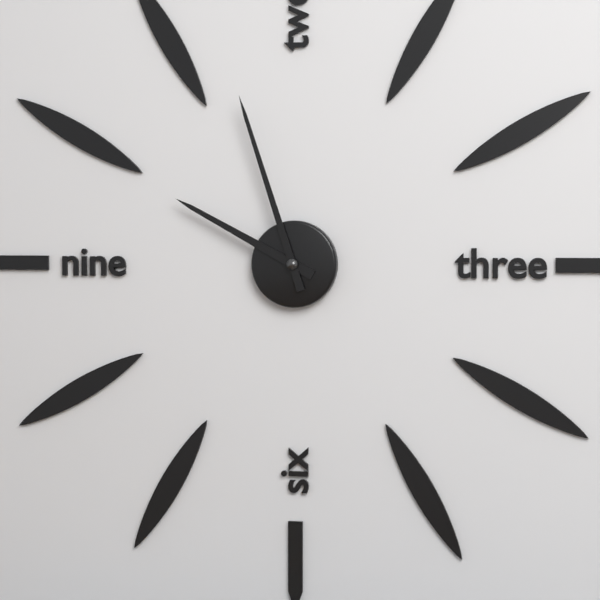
9:57
